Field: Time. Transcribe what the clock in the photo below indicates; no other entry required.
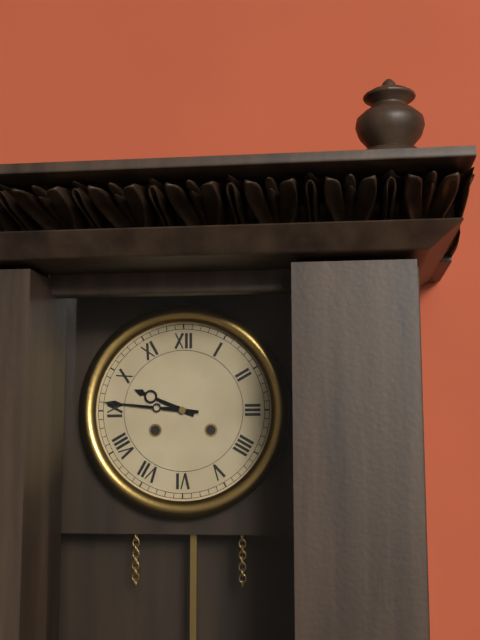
9:46
